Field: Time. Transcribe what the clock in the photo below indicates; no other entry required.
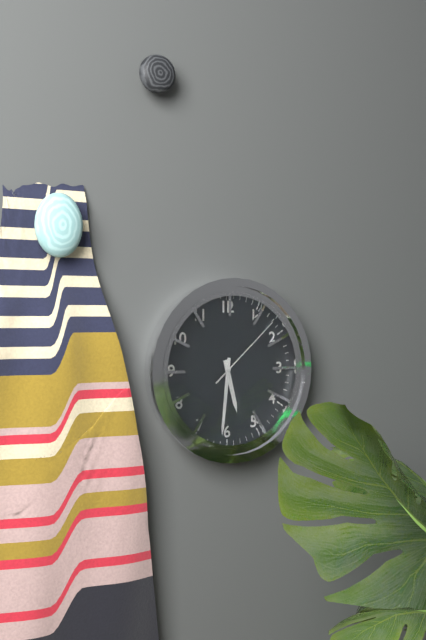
5:31:08
